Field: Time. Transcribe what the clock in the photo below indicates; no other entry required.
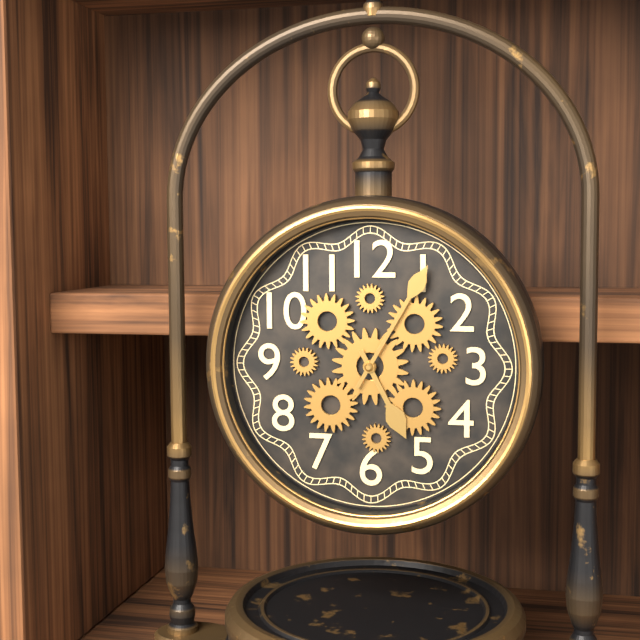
5:05
